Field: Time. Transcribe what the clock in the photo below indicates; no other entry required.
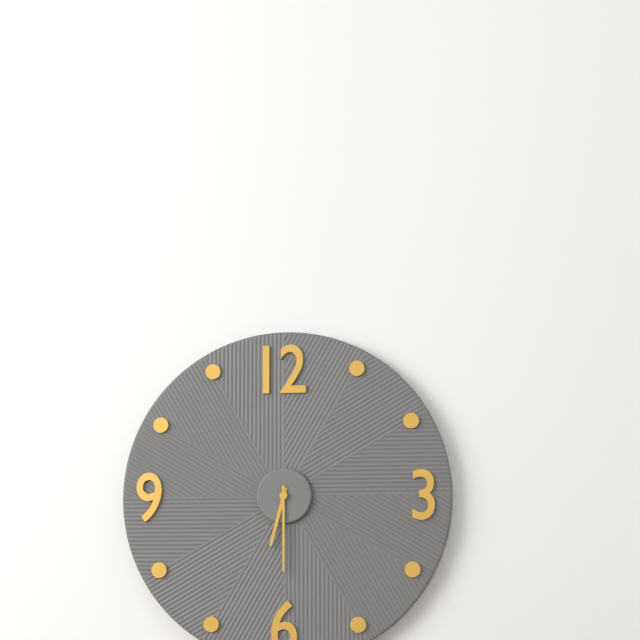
6:30
